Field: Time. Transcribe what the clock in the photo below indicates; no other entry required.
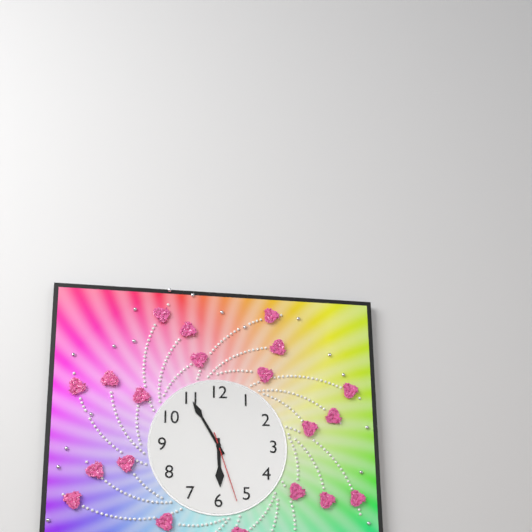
5:55:27
